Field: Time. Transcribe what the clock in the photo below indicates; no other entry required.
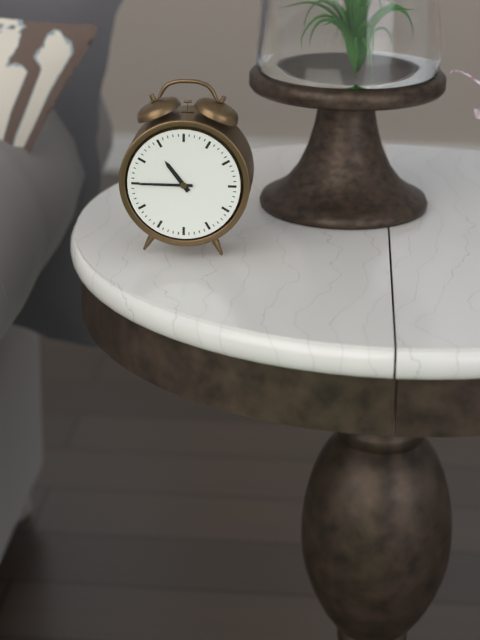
10:45
